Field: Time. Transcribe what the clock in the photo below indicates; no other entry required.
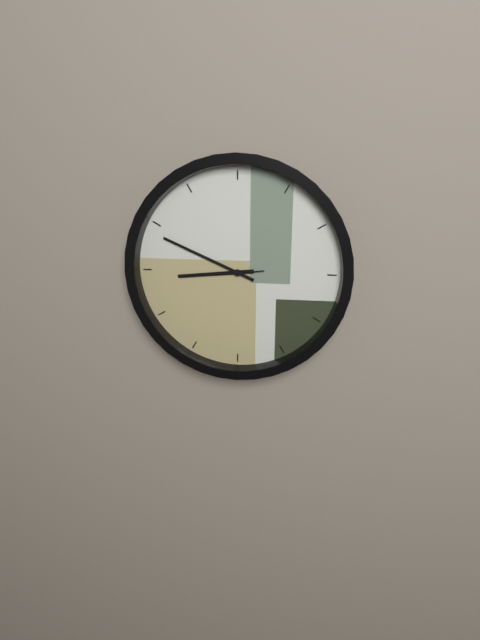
8:49:44
